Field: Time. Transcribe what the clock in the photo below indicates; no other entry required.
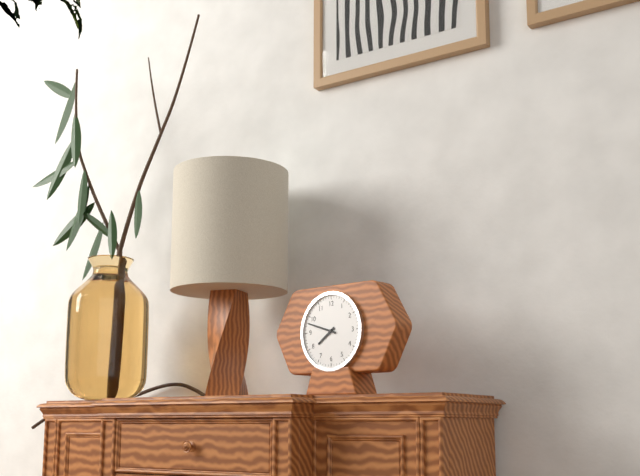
7:48
